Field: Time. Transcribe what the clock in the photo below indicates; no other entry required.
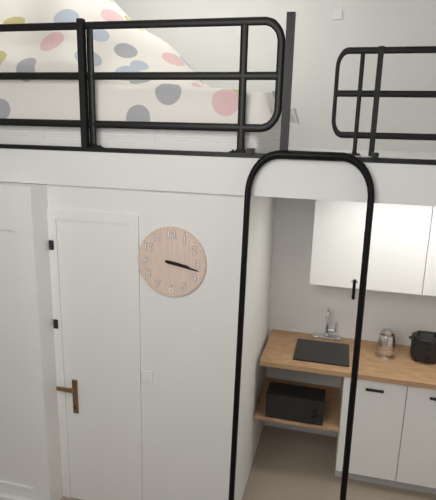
3:17
